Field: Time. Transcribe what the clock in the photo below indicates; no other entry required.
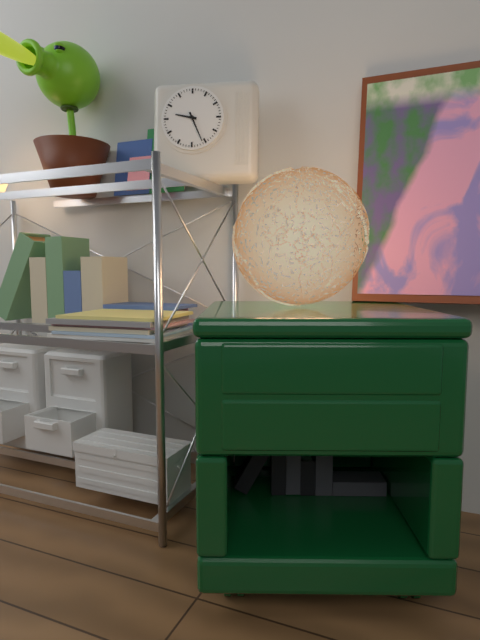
9:26
